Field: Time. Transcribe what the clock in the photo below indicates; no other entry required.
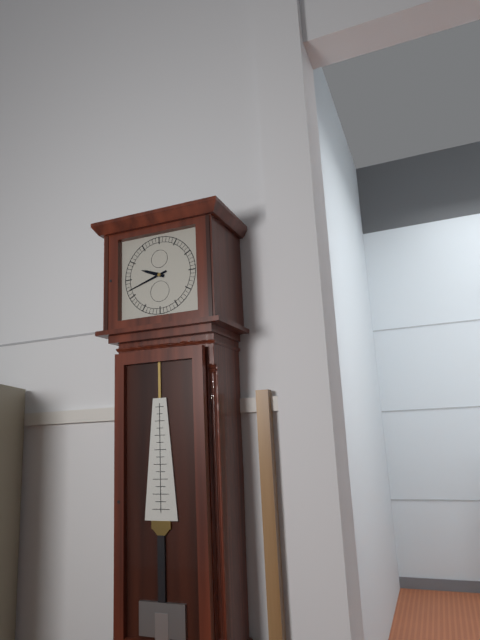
9:42
